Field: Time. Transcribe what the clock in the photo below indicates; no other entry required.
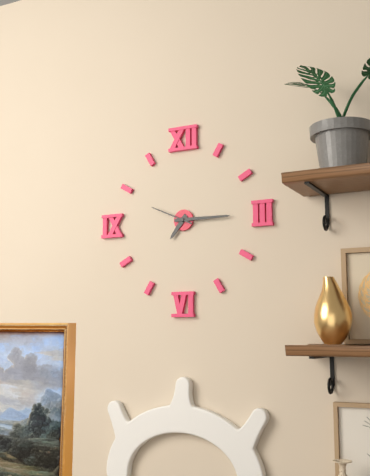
7:15
